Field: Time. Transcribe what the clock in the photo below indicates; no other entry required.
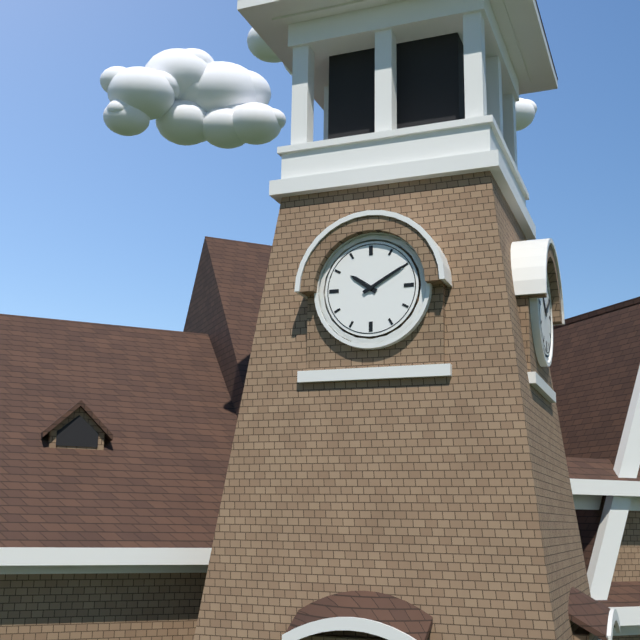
10:10
